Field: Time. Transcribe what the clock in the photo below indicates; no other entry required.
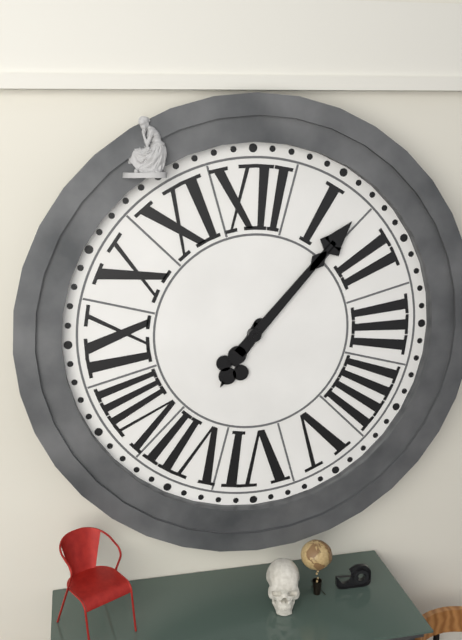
7:07
